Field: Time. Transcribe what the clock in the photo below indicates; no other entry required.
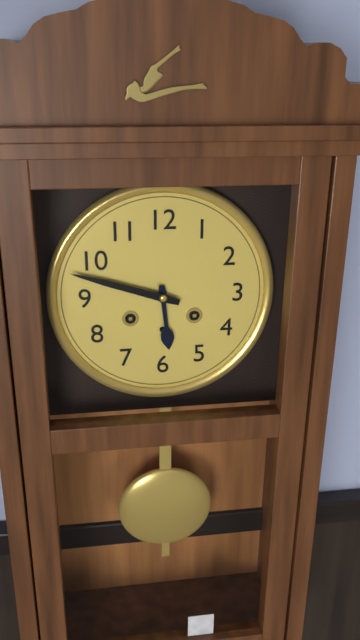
5:48
